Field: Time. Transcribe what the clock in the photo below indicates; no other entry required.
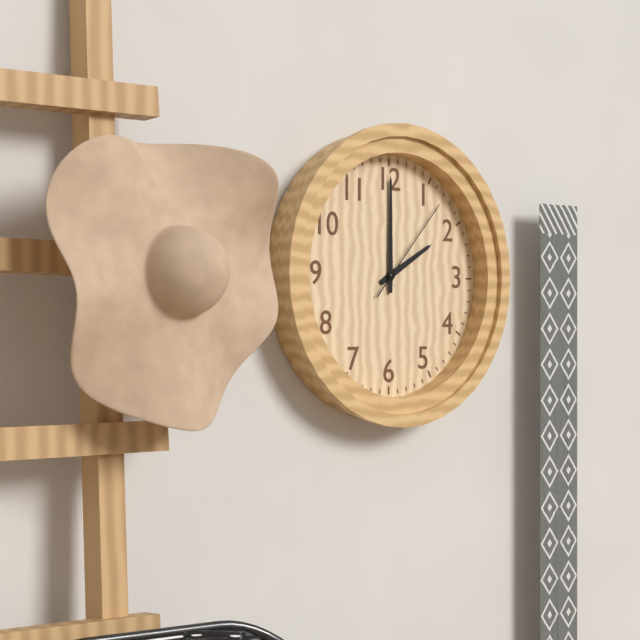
2:00:07
